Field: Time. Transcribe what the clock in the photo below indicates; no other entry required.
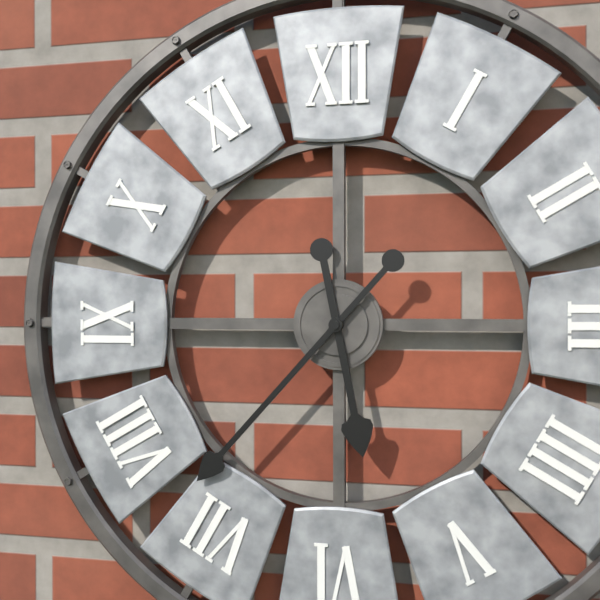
5:37
